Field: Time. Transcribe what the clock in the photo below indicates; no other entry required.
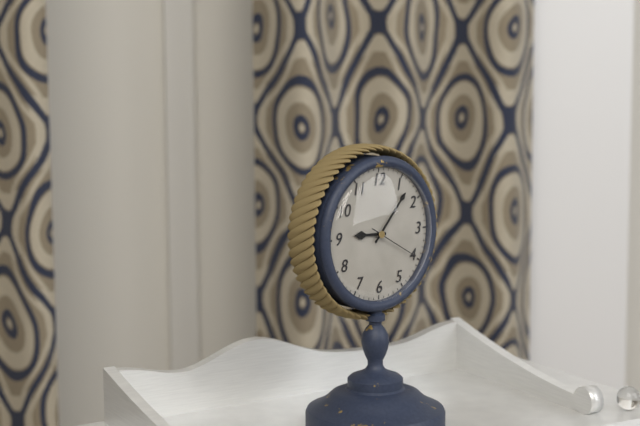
9:07:20
